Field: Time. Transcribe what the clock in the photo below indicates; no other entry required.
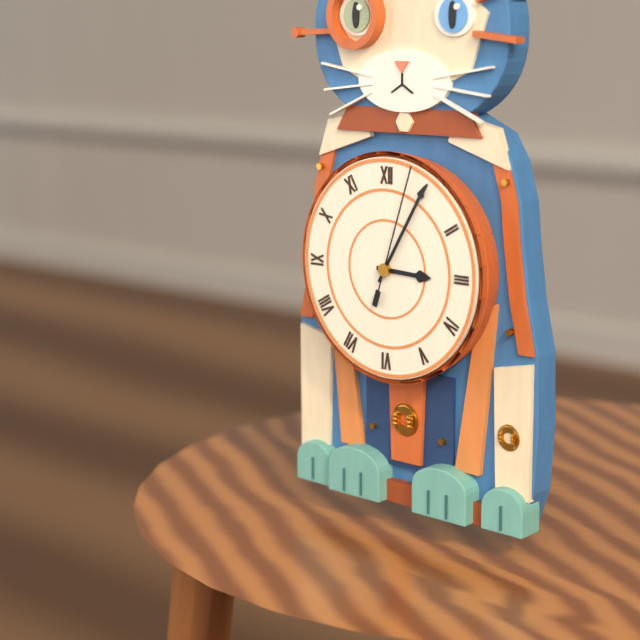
3:05:03
